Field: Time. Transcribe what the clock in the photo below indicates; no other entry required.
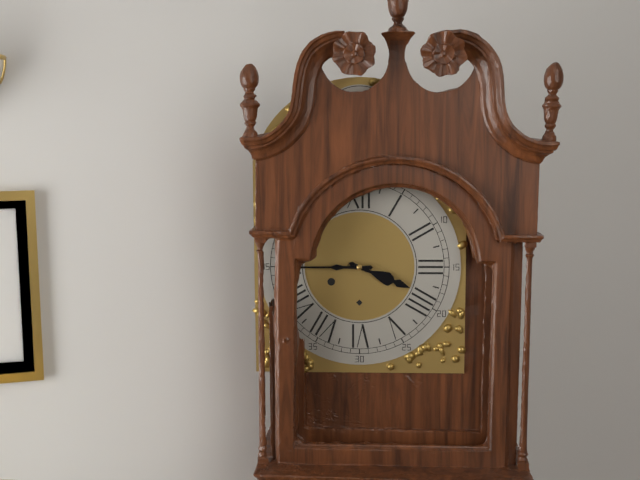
3:45
